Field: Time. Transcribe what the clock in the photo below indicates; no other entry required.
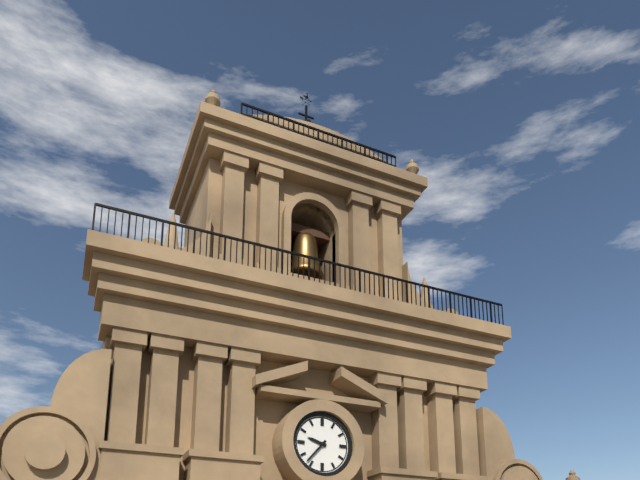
9:37
